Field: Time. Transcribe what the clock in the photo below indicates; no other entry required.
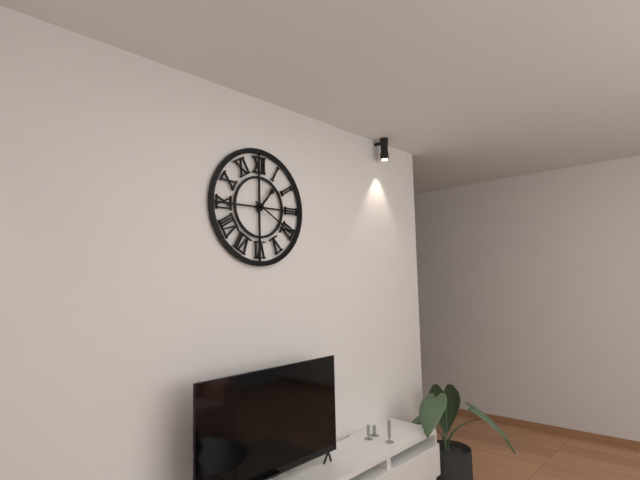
1:20
